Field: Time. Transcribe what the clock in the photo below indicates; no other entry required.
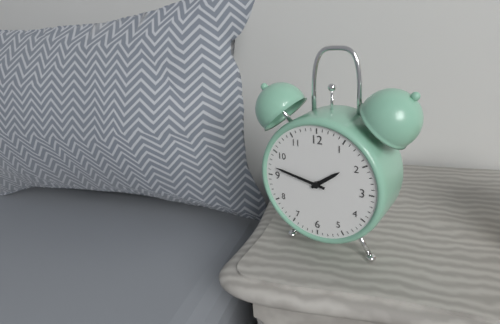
1:47
